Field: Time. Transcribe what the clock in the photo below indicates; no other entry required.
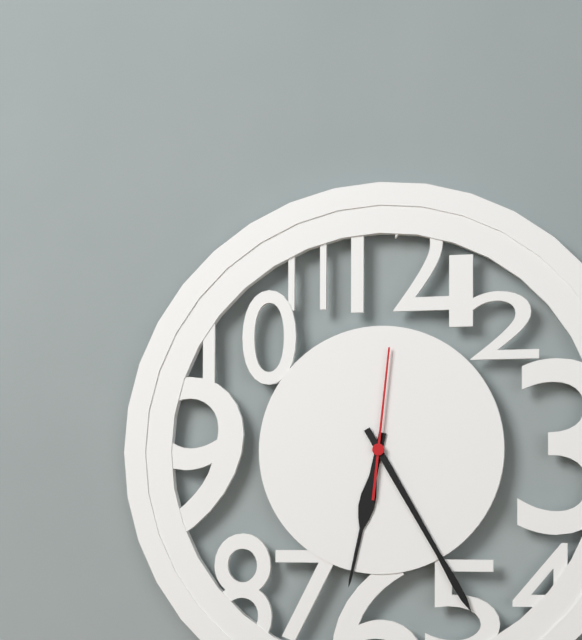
6:25:01
